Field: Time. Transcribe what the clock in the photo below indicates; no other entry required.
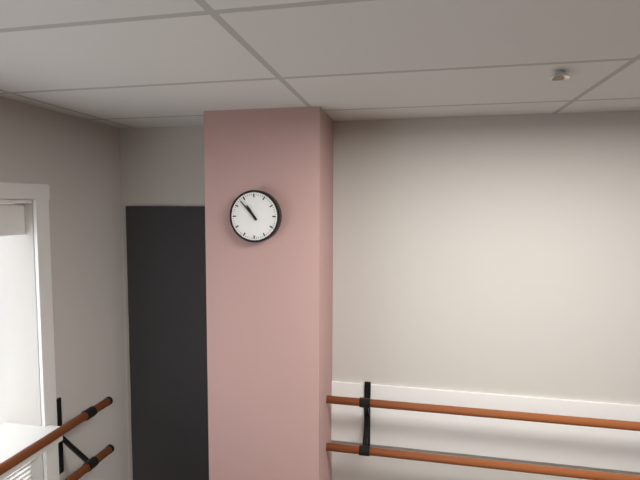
10:53
